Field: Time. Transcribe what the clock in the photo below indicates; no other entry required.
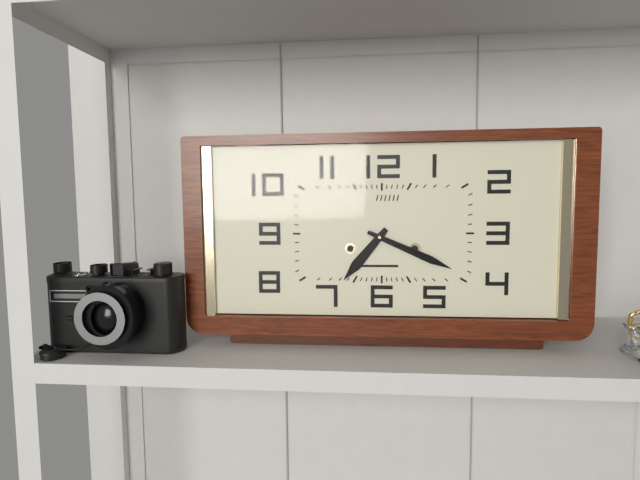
7:19
